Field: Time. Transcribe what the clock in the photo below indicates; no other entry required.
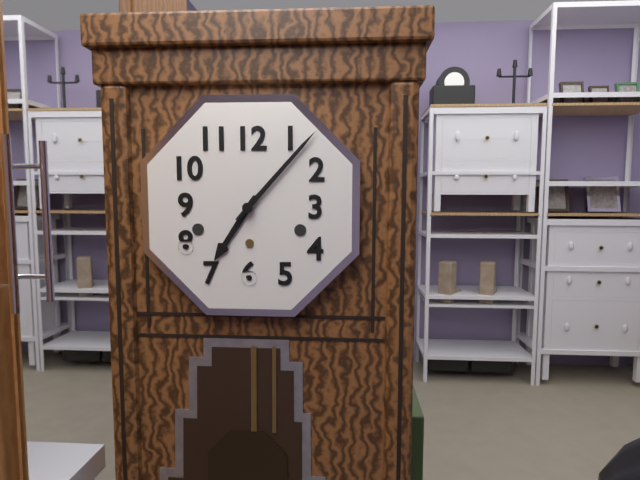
7:07
